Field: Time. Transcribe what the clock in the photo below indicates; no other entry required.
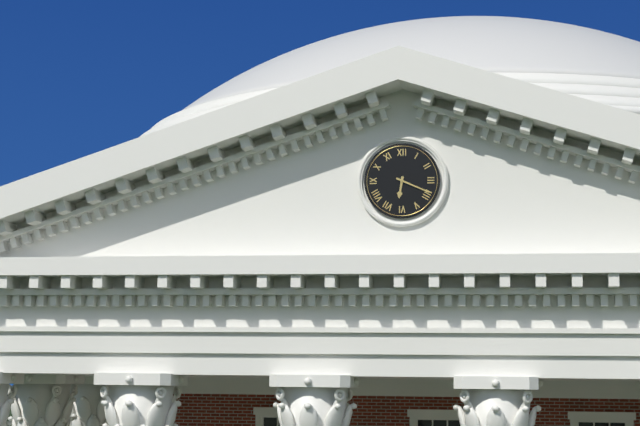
6:19
